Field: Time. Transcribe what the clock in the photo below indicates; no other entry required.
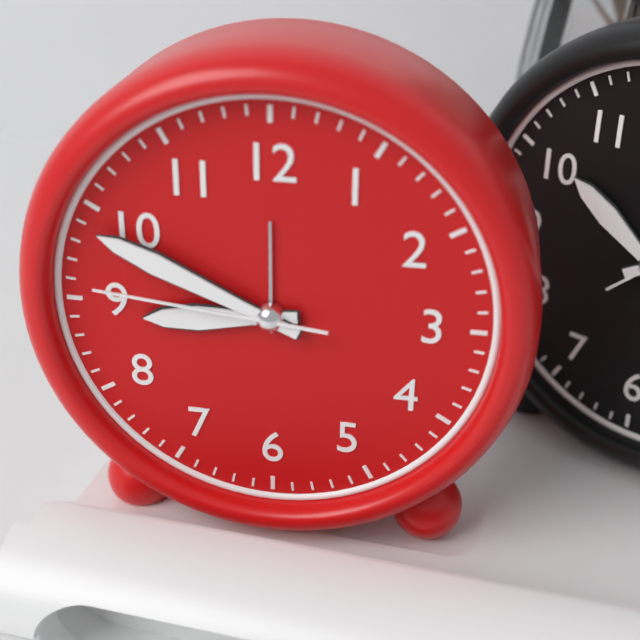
8:49:46
